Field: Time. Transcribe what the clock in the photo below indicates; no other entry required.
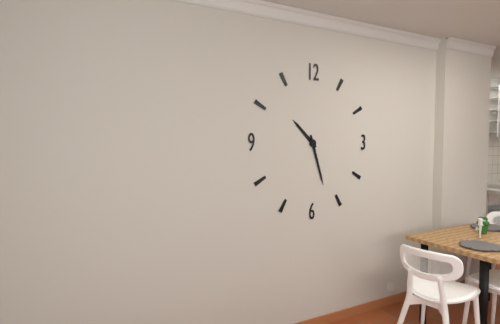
10:27
